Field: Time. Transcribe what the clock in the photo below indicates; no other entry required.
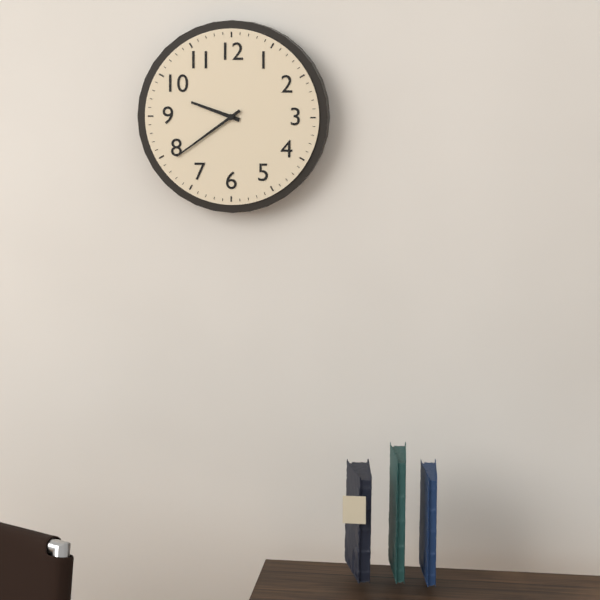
9:39
